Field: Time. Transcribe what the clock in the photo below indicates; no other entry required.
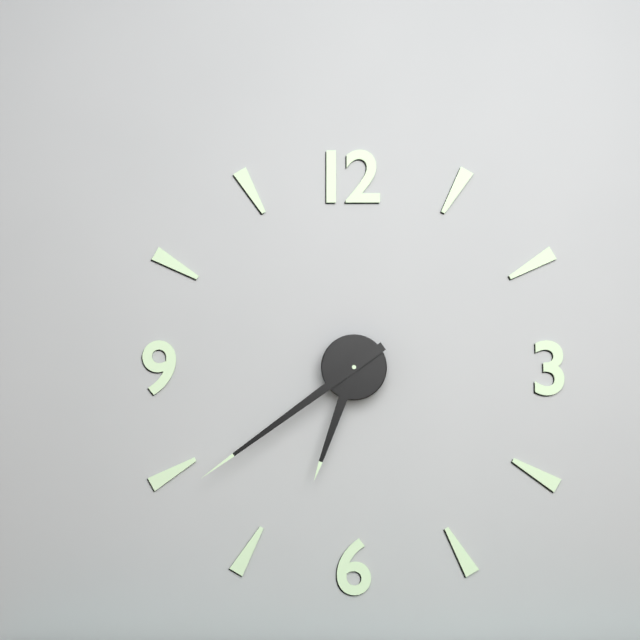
6:39
